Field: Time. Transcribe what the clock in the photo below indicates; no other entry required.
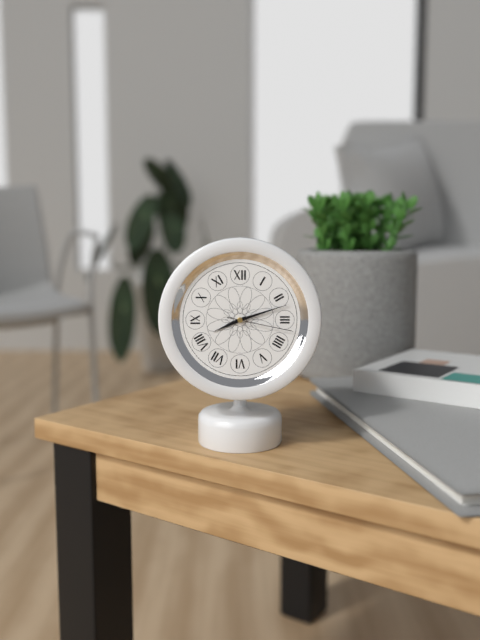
8:12:17
